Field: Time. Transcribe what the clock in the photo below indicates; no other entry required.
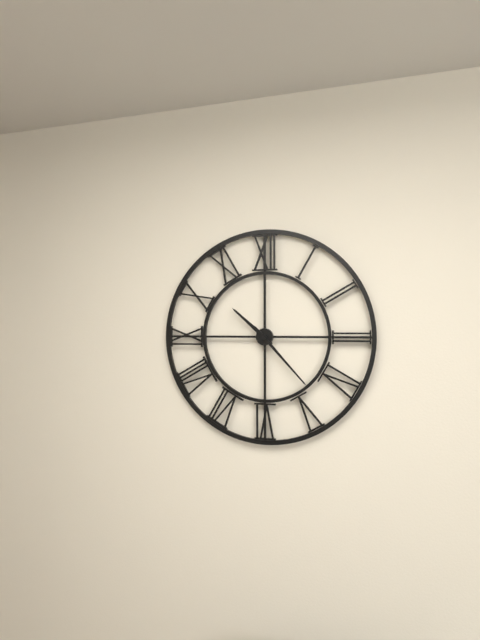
10:23
